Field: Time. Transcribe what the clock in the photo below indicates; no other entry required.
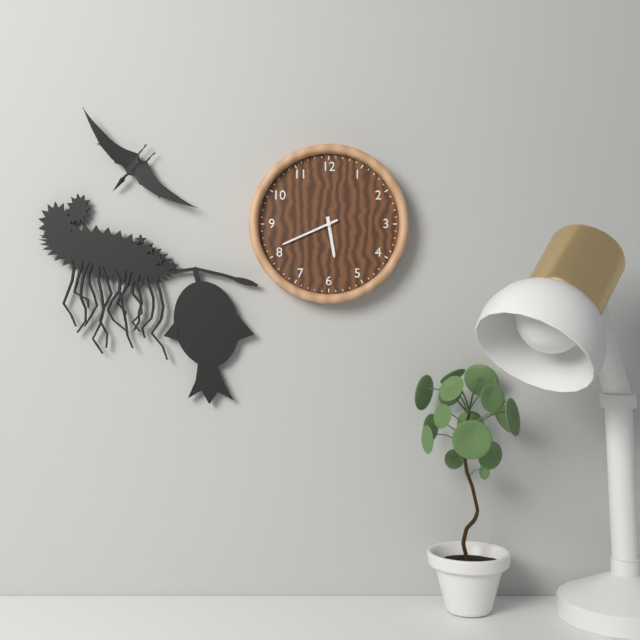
5:41
